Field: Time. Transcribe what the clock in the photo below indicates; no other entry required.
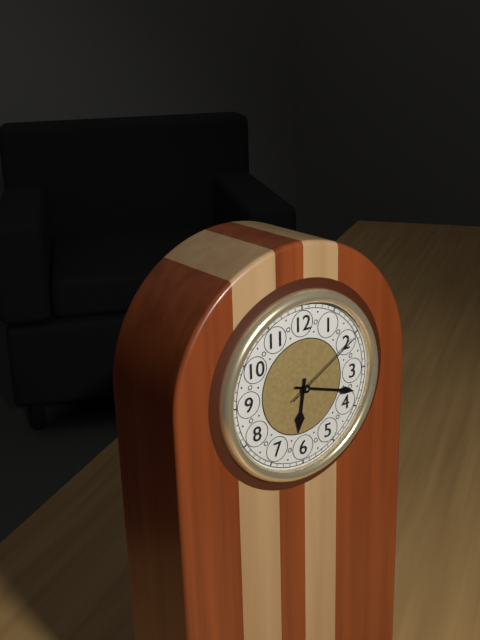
6:18:10
